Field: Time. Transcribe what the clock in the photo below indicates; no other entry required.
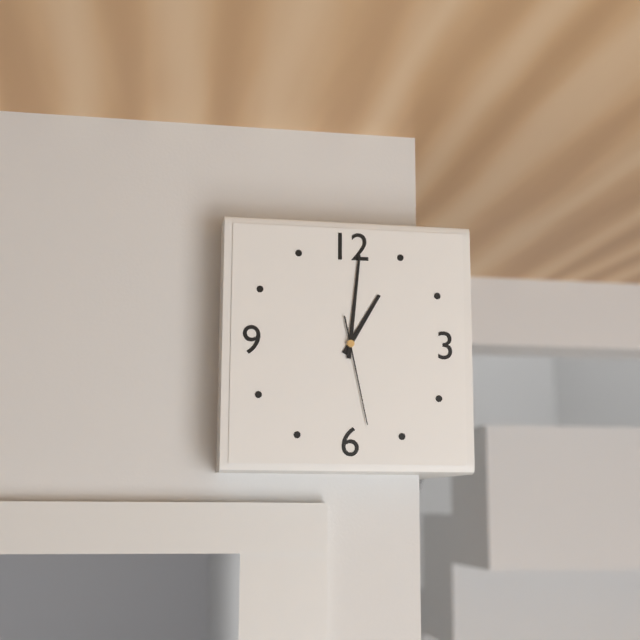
1:01:28
